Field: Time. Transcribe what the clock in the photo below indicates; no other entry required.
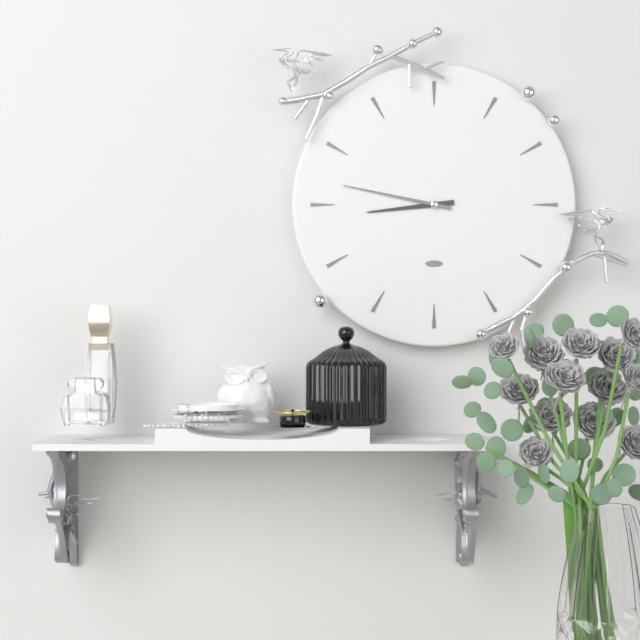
8:47
